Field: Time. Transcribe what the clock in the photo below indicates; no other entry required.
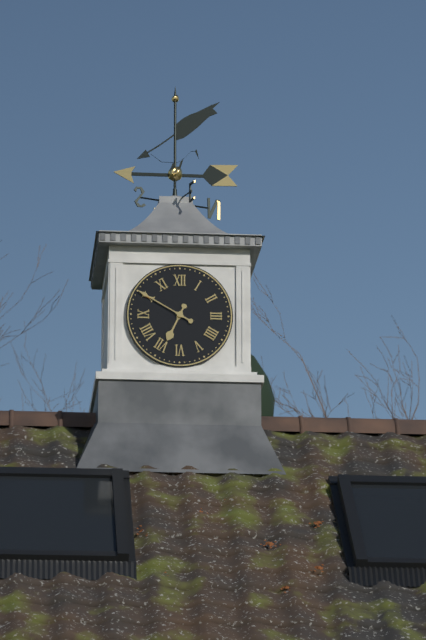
6:50
